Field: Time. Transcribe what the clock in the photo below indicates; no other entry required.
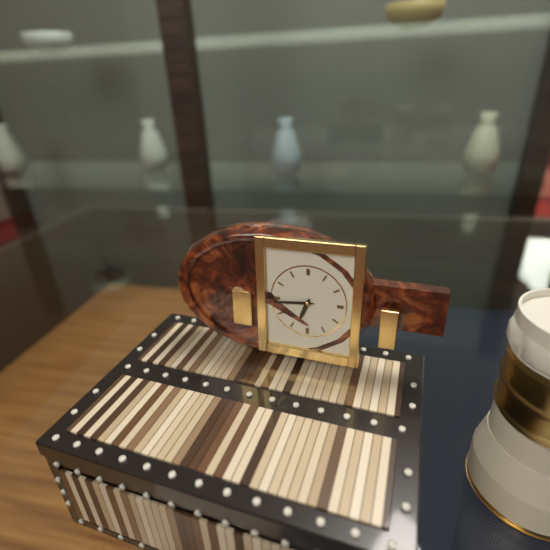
6:44
